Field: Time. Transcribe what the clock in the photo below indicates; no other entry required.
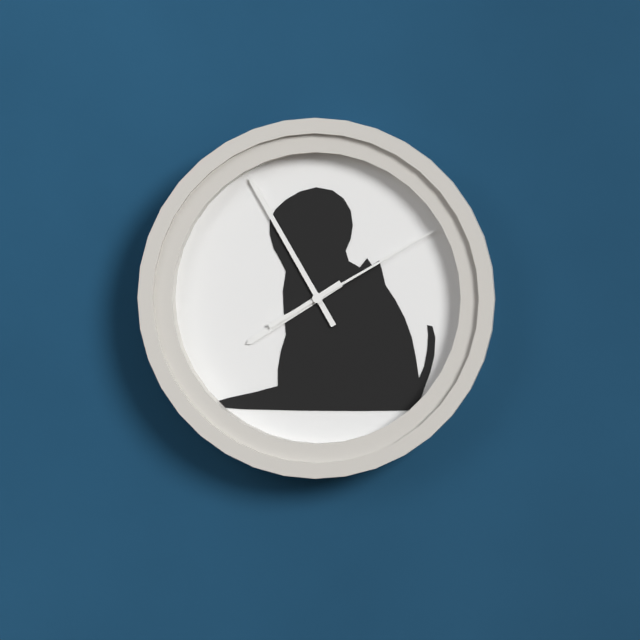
7:55:10
